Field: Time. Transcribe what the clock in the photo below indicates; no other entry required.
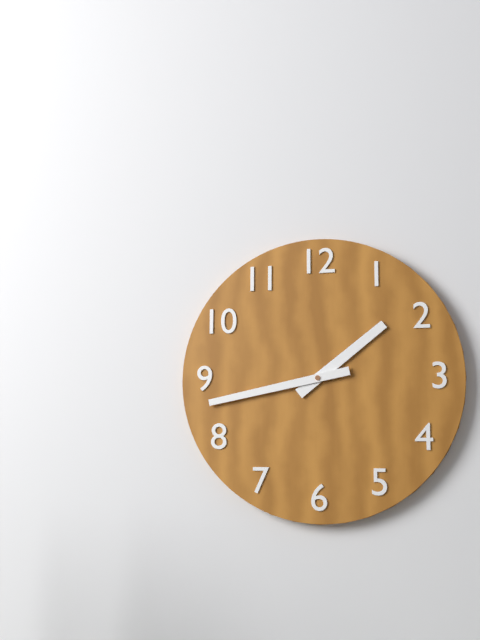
1:43
